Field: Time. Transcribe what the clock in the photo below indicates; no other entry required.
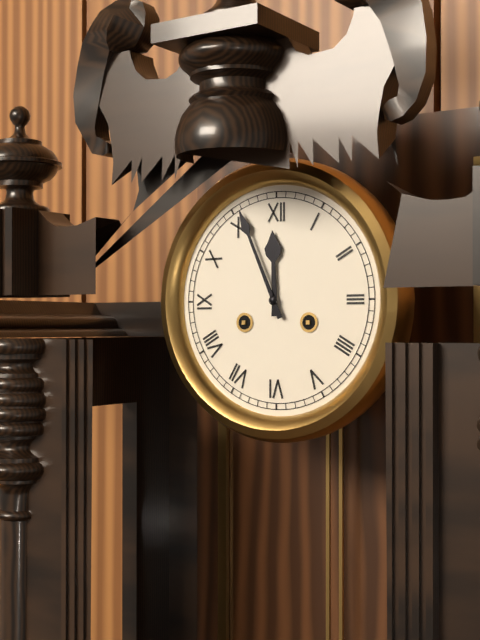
11:56
